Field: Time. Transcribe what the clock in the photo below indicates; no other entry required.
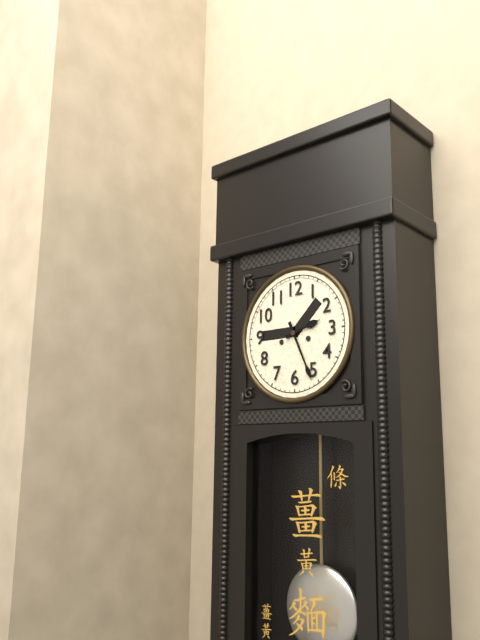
2:26
